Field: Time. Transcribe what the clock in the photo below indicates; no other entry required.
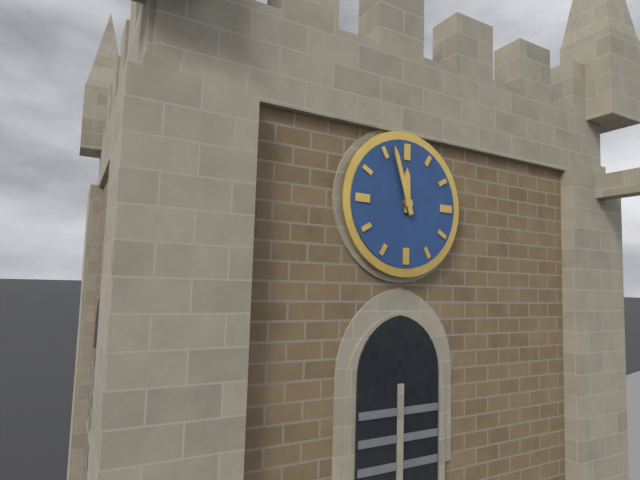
11:57
